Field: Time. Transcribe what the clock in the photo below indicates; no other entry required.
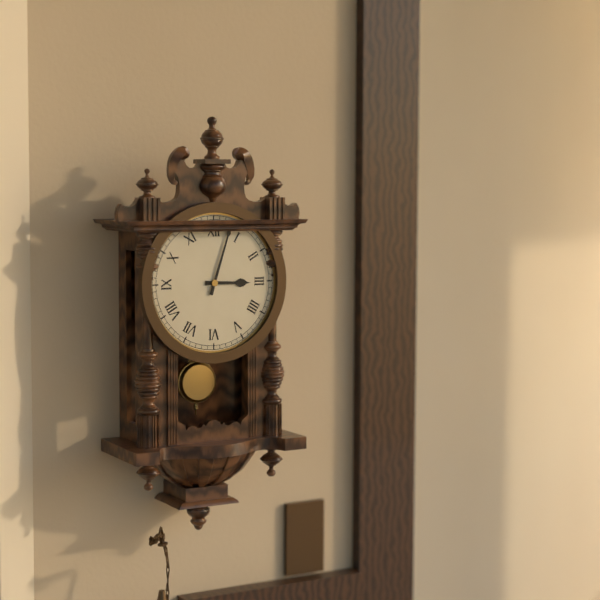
3:03
